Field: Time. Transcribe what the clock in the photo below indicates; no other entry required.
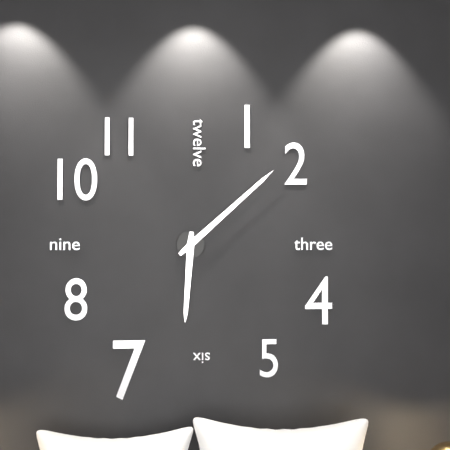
6:08
